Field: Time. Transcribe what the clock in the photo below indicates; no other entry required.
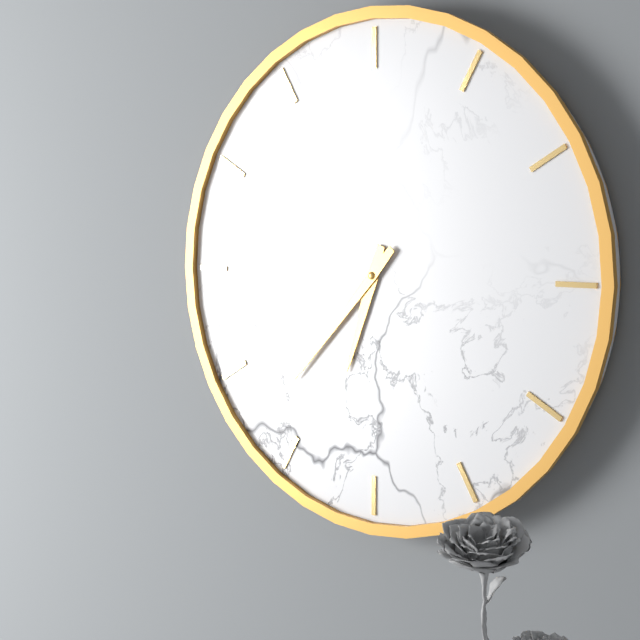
6:37
